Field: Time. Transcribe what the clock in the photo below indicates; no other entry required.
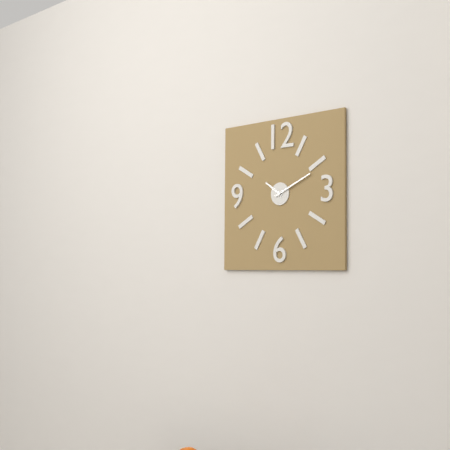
10:11
